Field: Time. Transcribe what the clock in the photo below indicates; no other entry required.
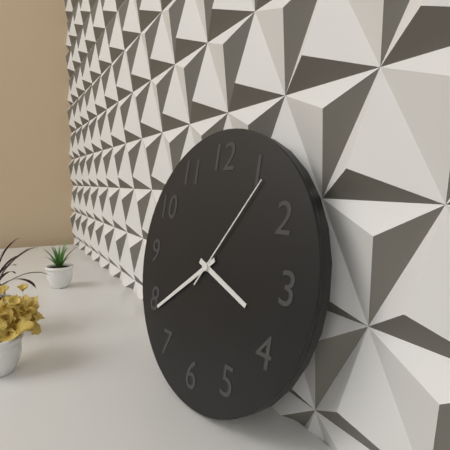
3:39:06
